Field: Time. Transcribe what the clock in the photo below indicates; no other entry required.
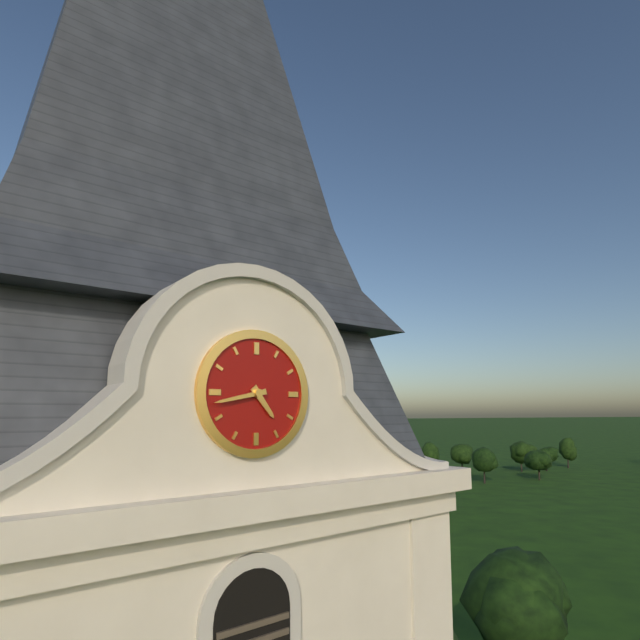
4:43
